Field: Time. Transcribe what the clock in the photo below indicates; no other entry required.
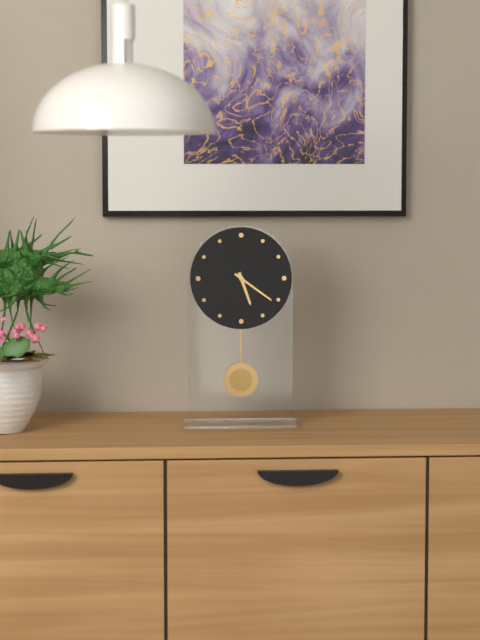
5:21
